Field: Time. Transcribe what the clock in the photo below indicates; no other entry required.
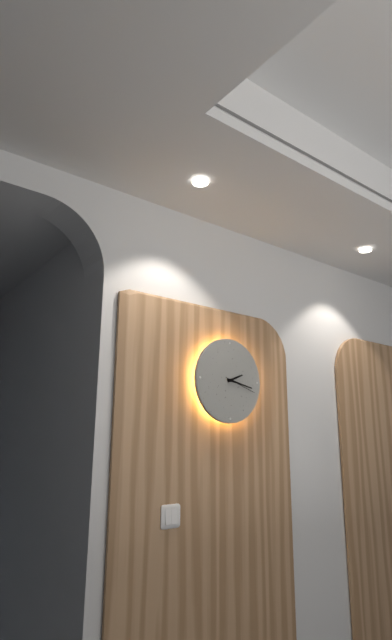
2:17
